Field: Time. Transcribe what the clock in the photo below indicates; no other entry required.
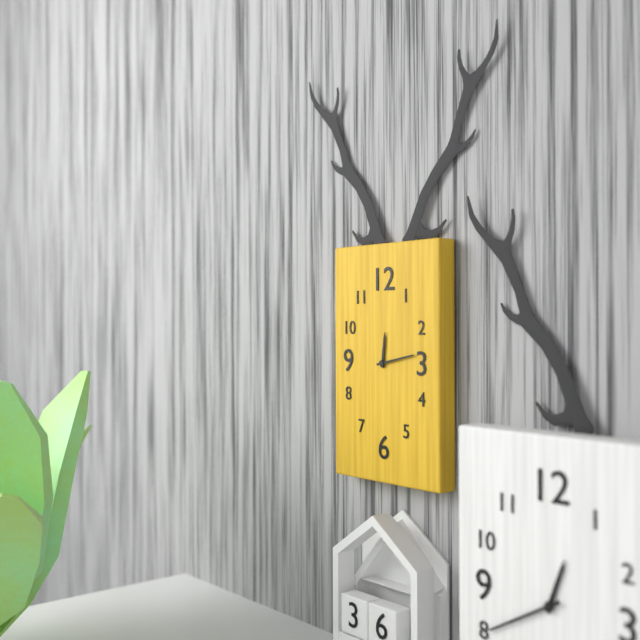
12:13
